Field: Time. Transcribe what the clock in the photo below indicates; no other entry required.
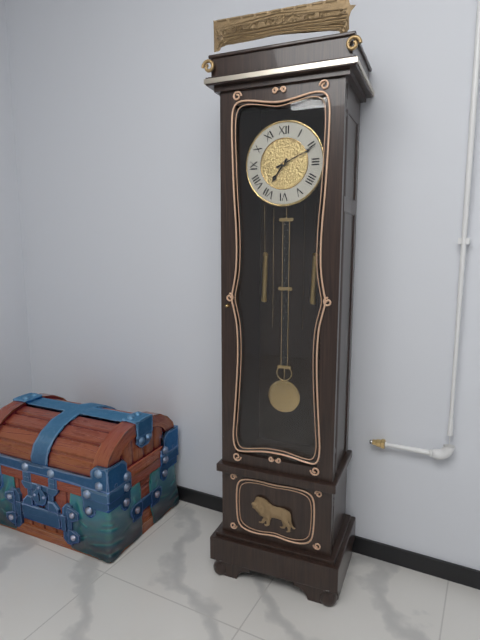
7:11
